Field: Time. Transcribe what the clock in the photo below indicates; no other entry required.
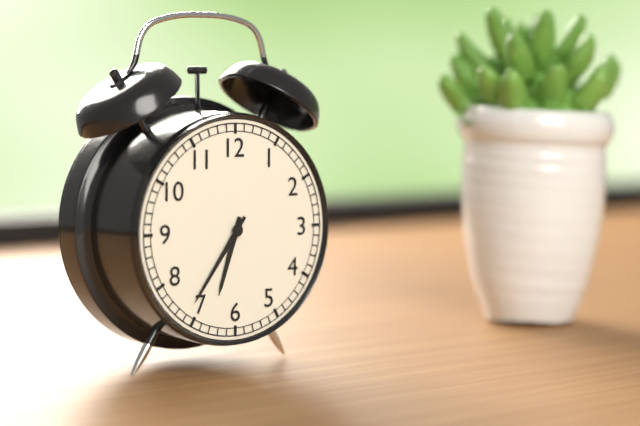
6:36
